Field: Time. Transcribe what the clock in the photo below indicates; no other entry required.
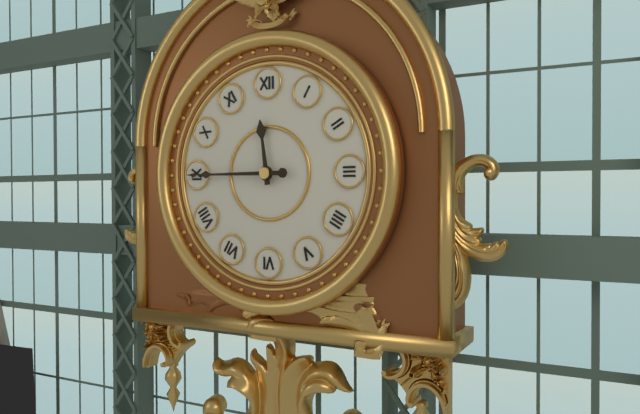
11:45
